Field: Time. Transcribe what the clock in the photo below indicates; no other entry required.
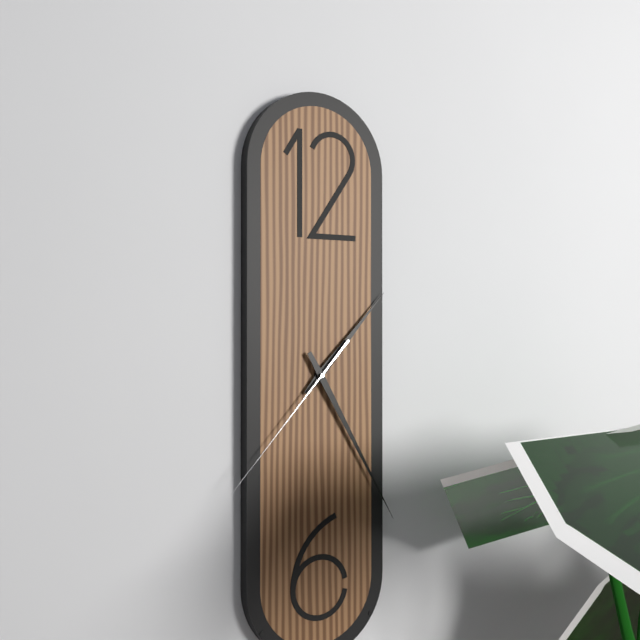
1:25:37
